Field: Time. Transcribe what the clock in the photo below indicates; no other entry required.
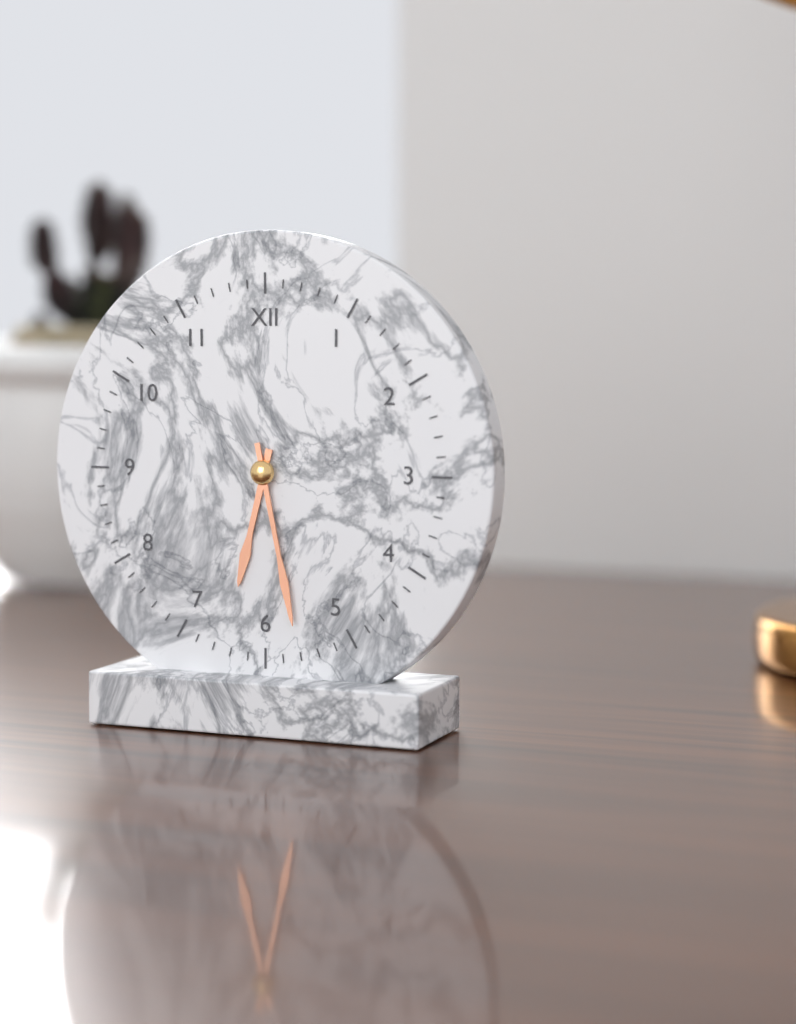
6:28
